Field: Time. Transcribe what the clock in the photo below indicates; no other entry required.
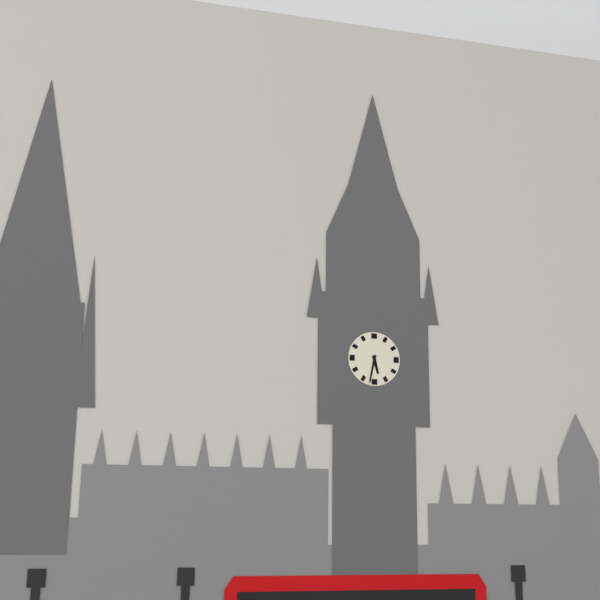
5:32
